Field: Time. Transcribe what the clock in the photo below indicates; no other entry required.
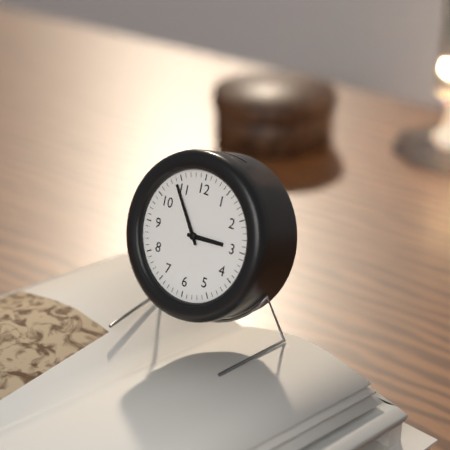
2:54
